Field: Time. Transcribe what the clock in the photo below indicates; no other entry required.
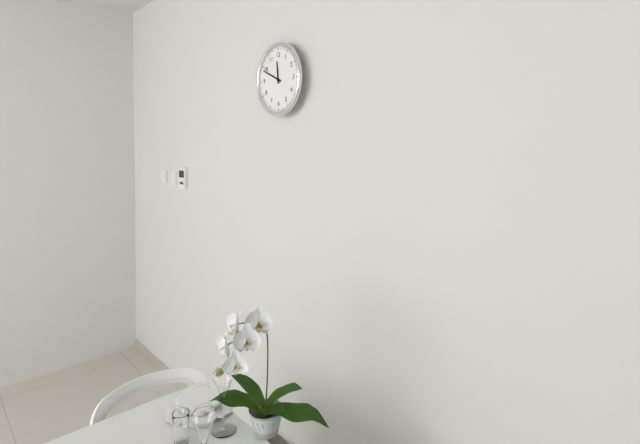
11:49
